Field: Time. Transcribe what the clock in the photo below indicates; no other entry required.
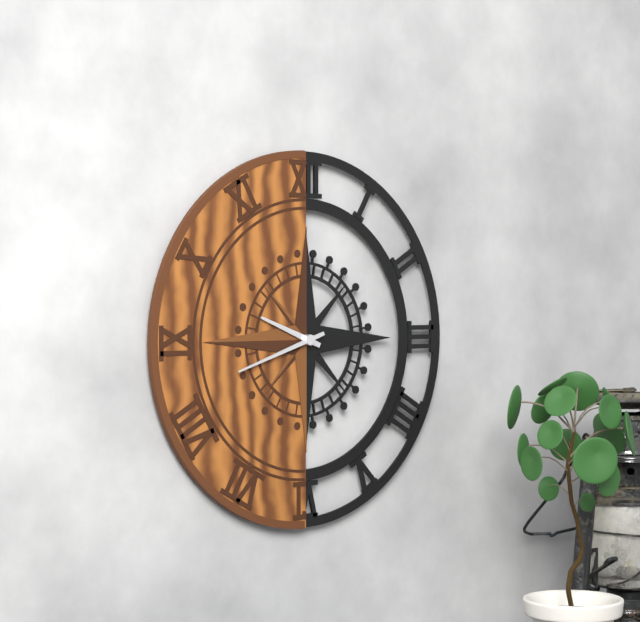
9:42
